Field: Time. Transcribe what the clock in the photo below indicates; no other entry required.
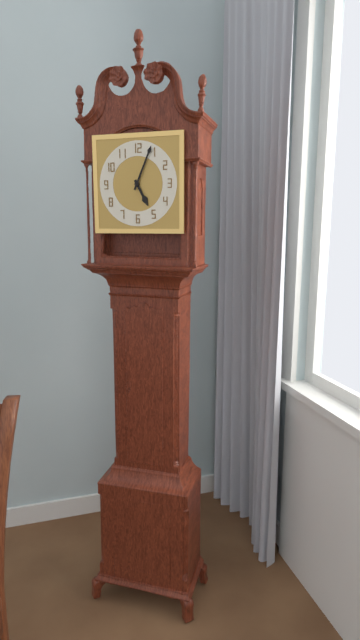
5:04
